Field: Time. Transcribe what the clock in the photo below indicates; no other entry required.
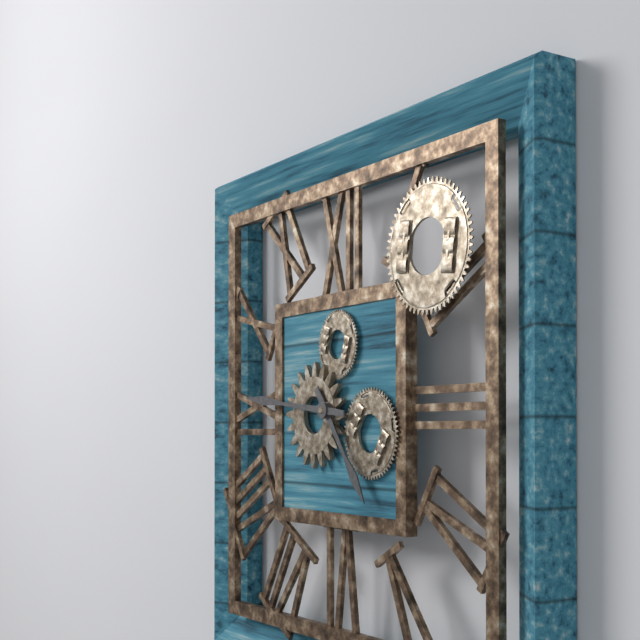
4:46
